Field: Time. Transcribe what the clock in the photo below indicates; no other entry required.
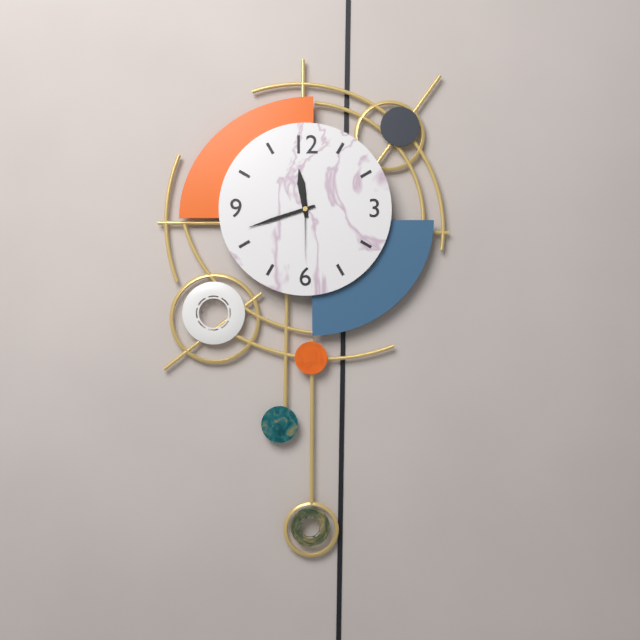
11:42:30
